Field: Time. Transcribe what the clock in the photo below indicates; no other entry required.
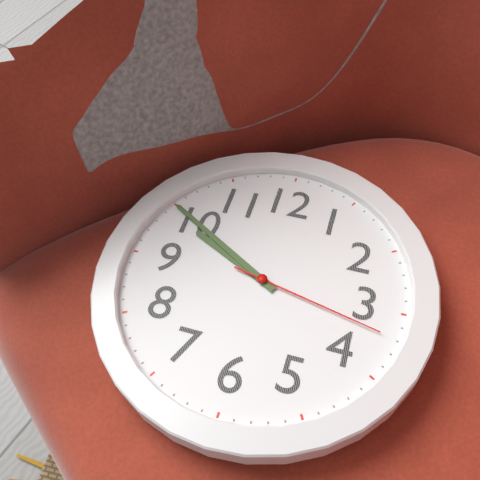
9:50:17
